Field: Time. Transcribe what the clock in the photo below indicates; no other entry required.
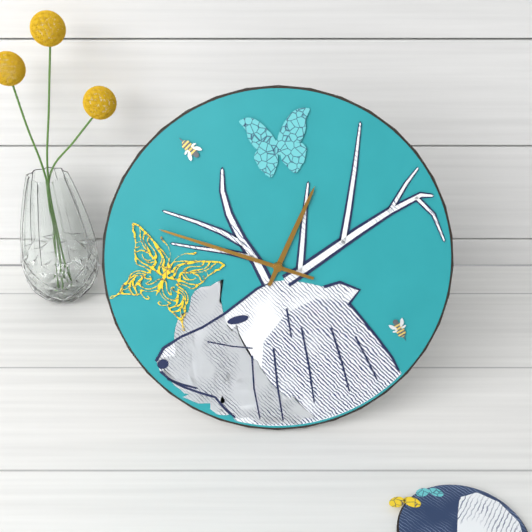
12:48
